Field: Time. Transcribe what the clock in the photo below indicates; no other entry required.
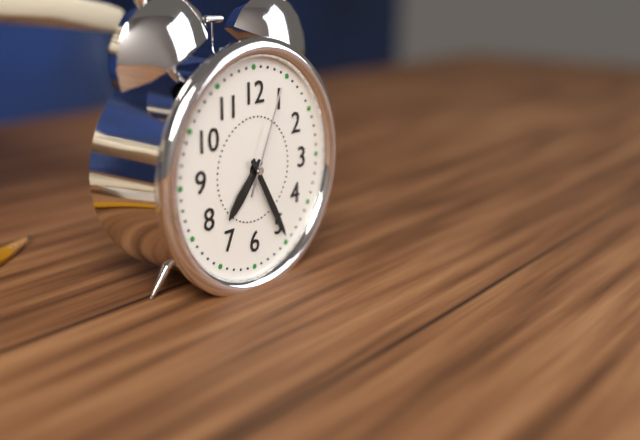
7:25:04
